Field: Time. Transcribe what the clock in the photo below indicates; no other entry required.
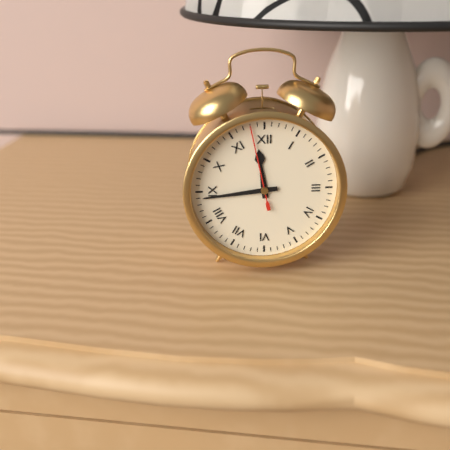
11:44:58
